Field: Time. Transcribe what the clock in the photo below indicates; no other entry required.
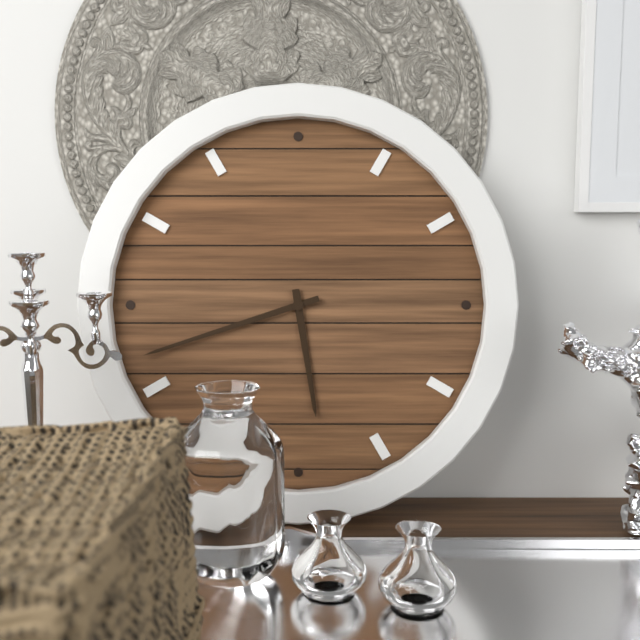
5:42
